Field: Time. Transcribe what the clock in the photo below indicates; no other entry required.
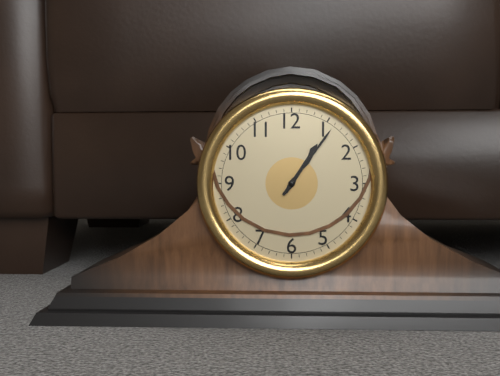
1:06
